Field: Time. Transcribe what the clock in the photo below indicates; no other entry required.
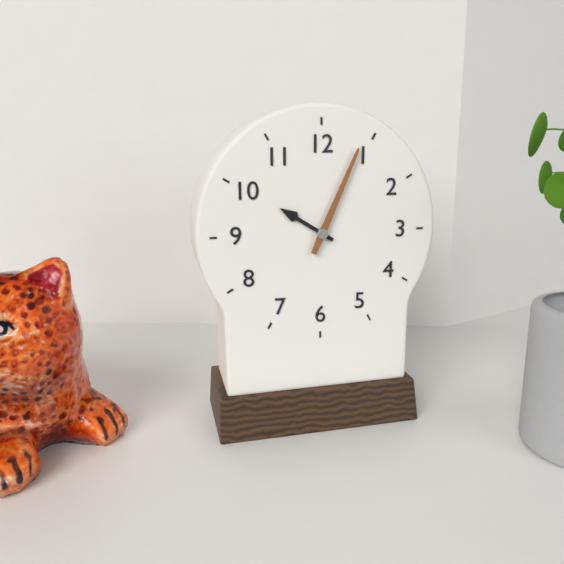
10:04
